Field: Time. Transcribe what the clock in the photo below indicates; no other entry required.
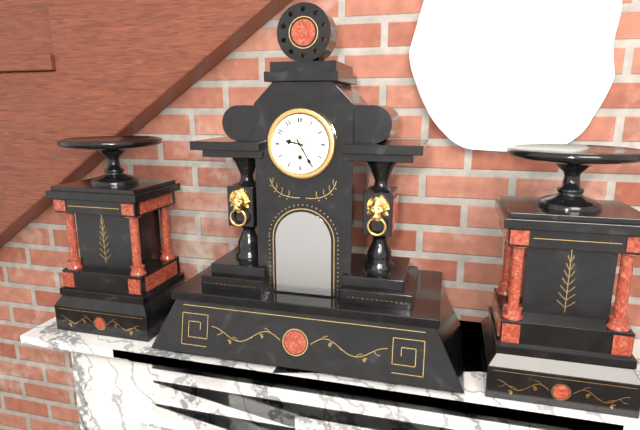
9:25
